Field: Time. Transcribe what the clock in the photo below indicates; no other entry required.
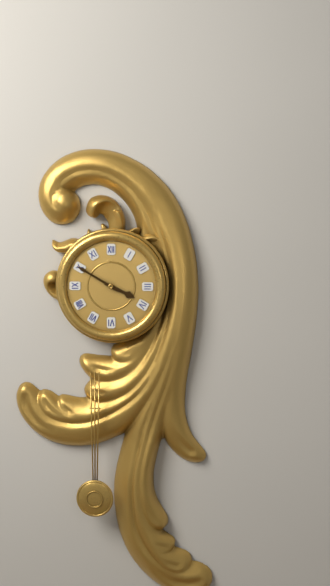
3:50
